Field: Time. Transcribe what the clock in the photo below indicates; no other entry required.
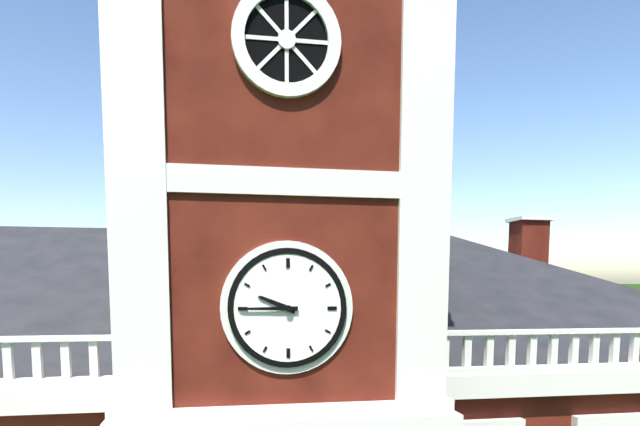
9:45
